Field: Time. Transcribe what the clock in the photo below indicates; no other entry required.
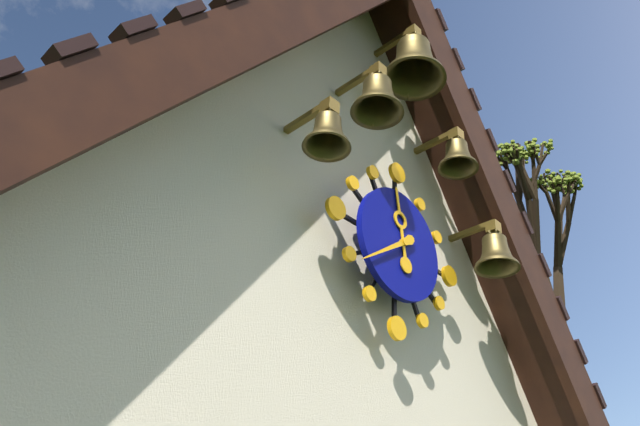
11:39
